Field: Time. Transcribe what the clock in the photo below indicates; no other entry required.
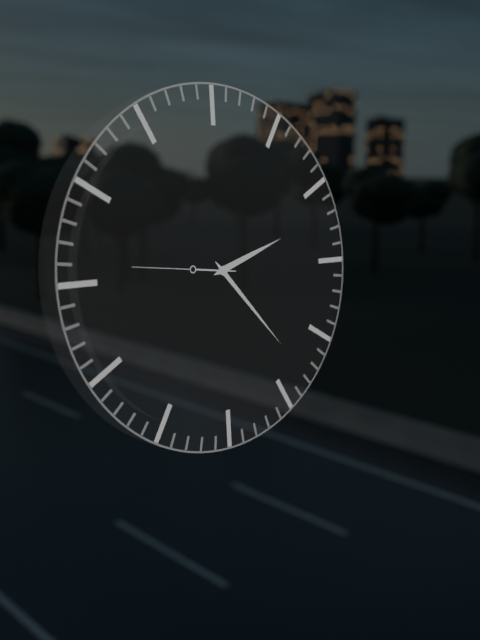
2:23:46
